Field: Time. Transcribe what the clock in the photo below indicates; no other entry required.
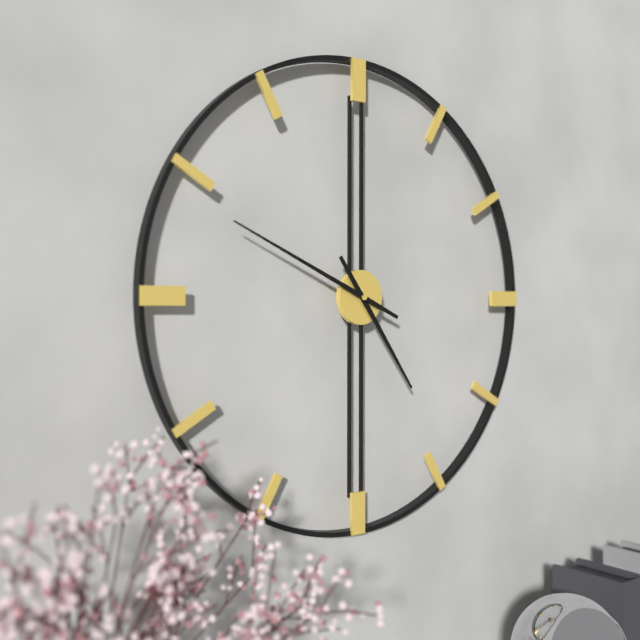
4:49
